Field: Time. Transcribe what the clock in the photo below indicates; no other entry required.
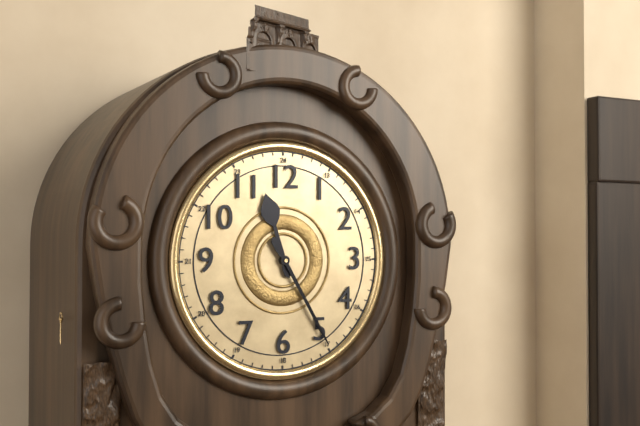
11:25
